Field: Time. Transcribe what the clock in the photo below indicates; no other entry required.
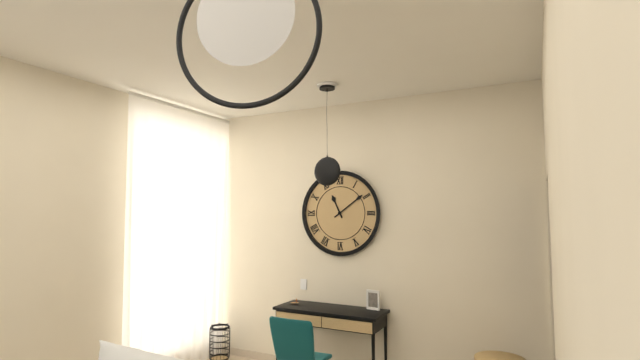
11:09
